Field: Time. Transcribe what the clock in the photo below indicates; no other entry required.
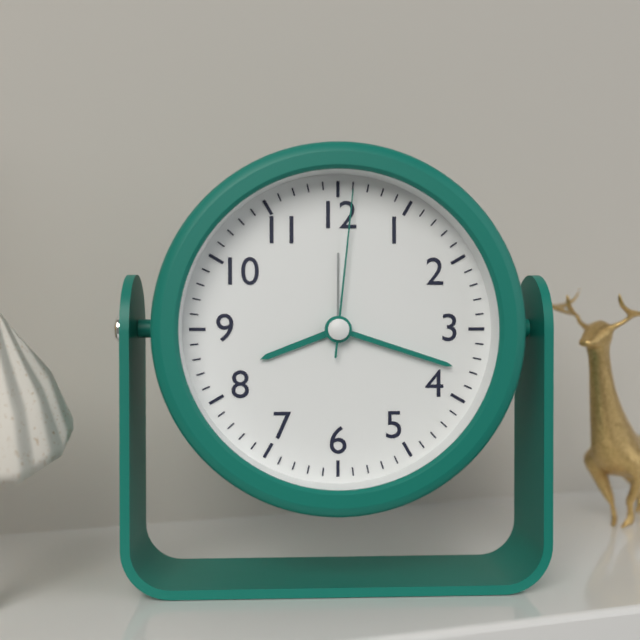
8:18:01
